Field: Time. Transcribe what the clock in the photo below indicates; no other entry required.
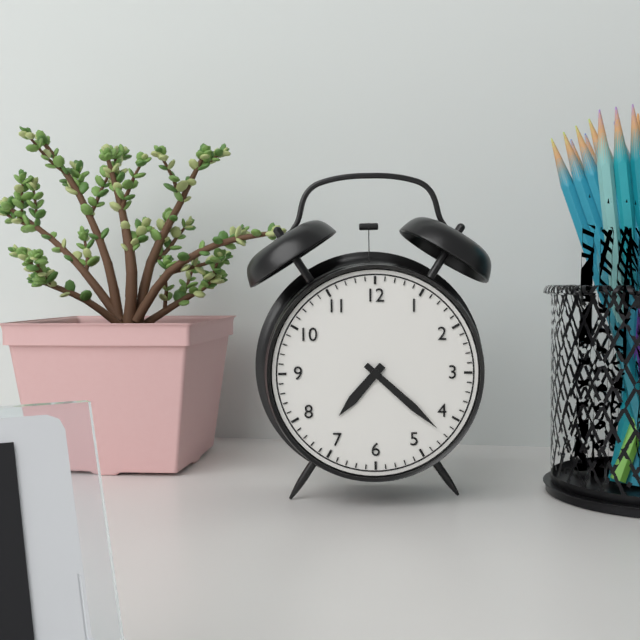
7:22
